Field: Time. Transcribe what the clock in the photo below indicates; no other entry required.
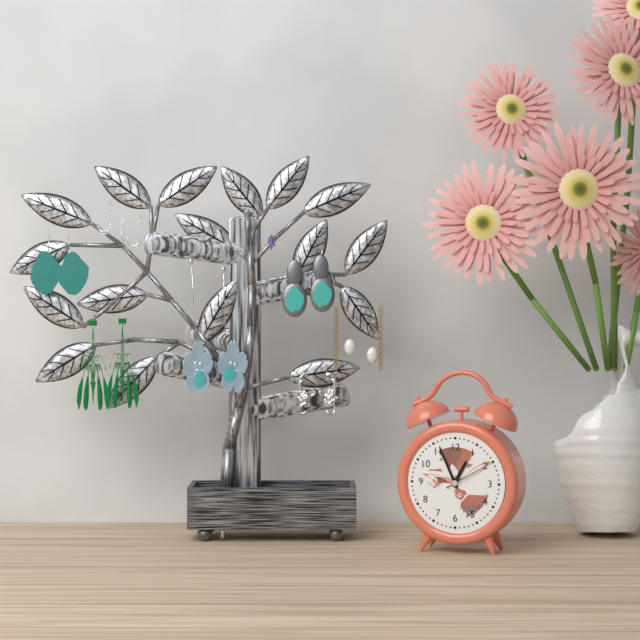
12:56:10
